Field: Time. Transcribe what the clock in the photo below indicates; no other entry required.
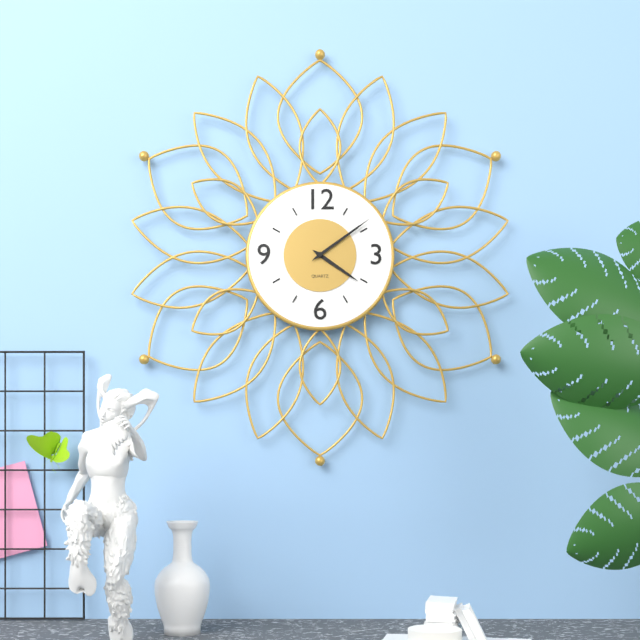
4:09
